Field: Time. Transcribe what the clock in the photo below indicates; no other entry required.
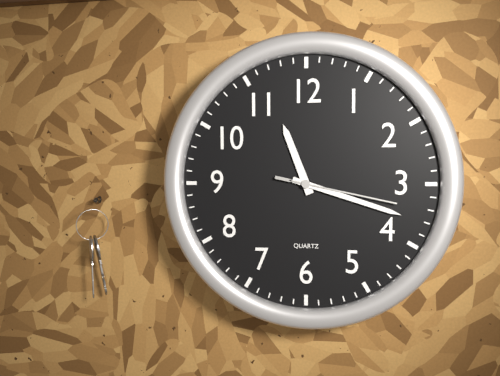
11:18:17
